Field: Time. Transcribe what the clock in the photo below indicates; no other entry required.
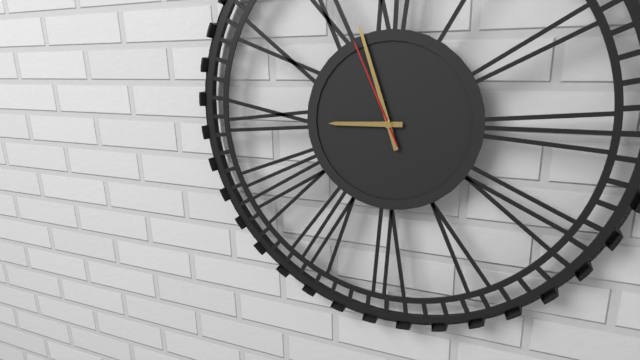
8:57:56
